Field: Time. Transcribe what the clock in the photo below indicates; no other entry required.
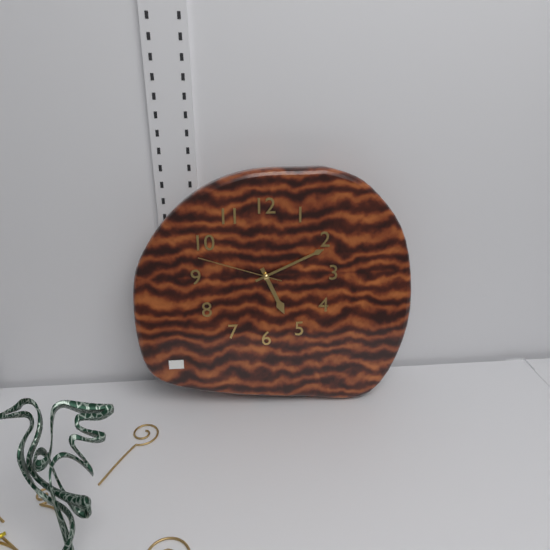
5:11:48
